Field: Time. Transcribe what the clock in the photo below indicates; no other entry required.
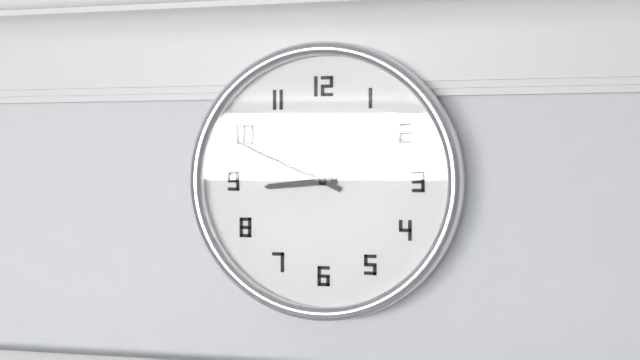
8:49
